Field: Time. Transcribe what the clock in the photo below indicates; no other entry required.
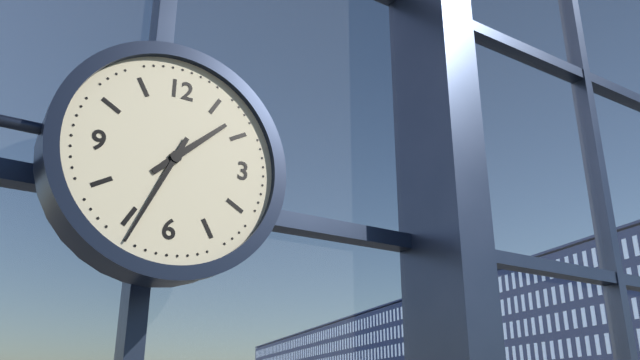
1:34
